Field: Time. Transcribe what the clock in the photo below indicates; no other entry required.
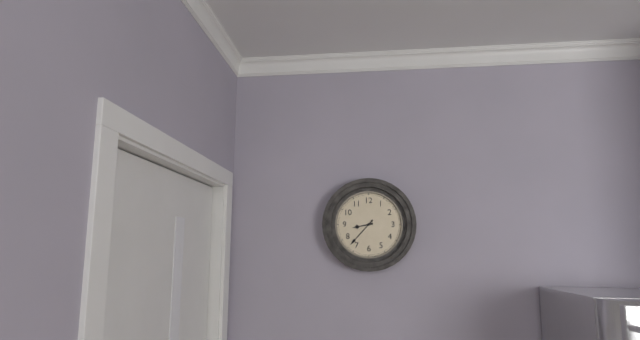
8:37
